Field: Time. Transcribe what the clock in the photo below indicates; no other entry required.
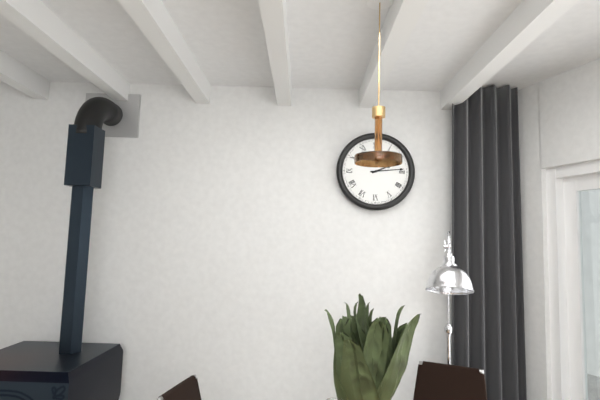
2:14
